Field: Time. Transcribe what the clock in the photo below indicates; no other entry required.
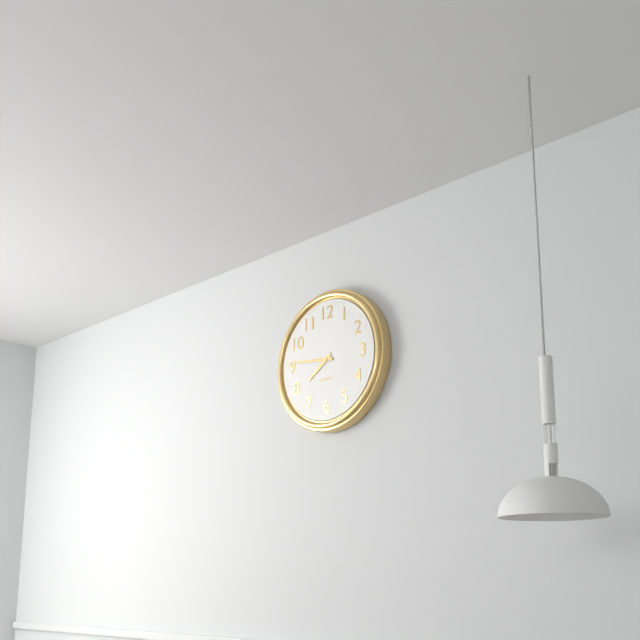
7:46
